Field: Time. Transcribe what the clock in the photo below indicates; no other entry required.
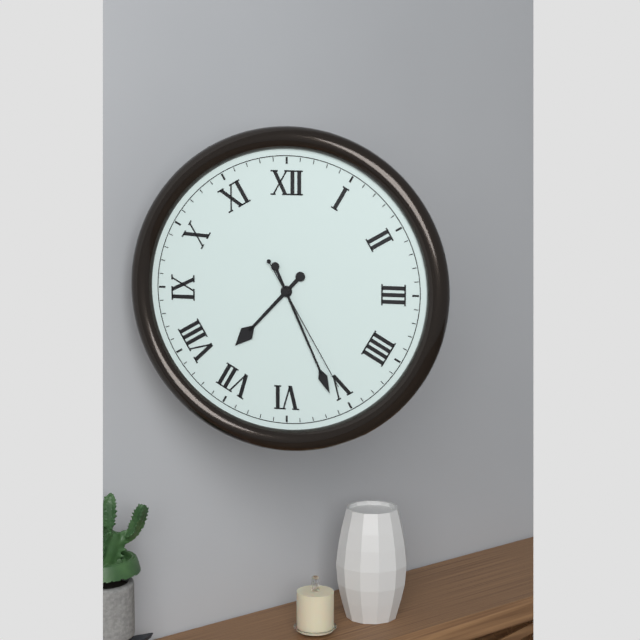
7:26:25
